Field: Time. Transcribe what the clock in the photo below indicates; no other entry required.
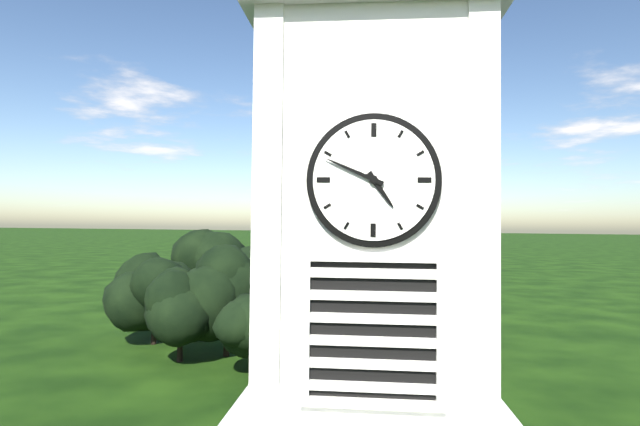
4:49
